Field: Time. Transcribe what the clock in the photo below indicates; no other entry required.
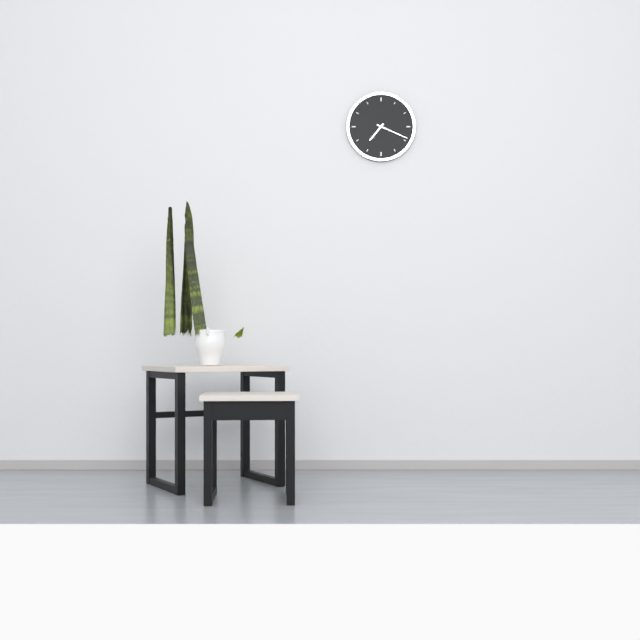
7:19
